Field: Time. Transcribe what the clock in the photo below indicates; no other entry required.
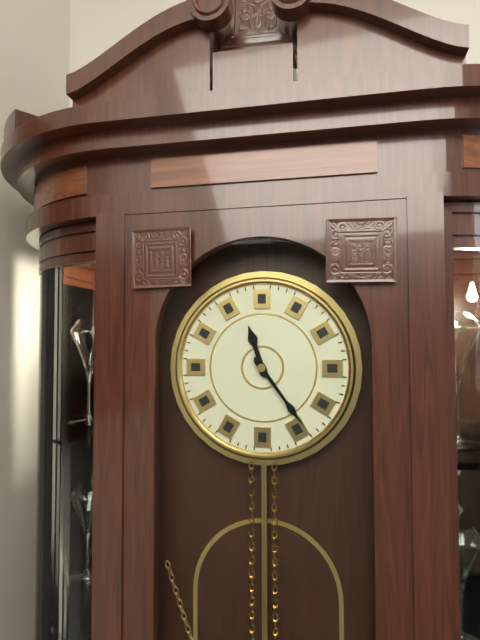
11:24
